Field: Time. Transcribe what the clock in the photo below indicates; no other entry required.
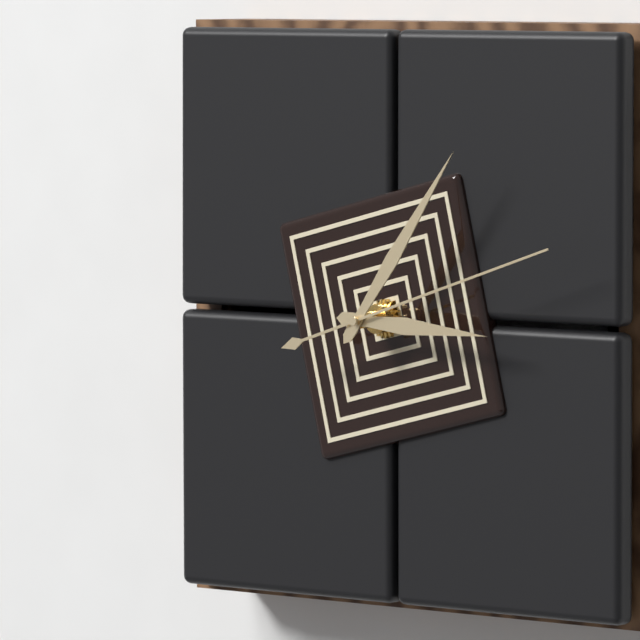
3:06:12
